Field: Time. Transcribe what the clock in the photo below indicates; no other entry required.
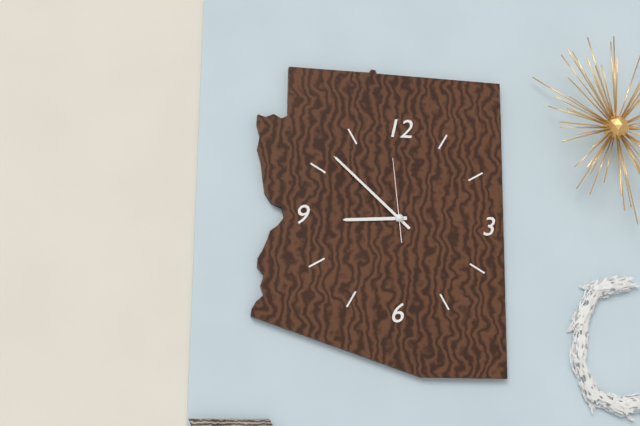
8:52:59
